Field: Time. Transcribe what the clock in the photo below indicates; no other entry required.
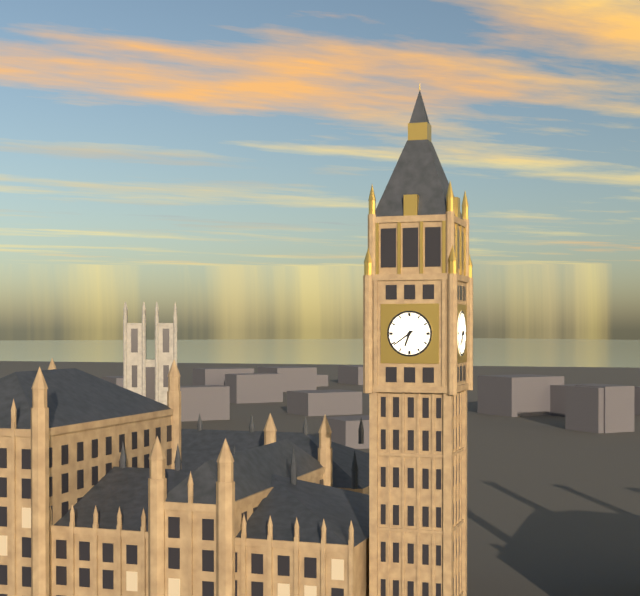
6:39
